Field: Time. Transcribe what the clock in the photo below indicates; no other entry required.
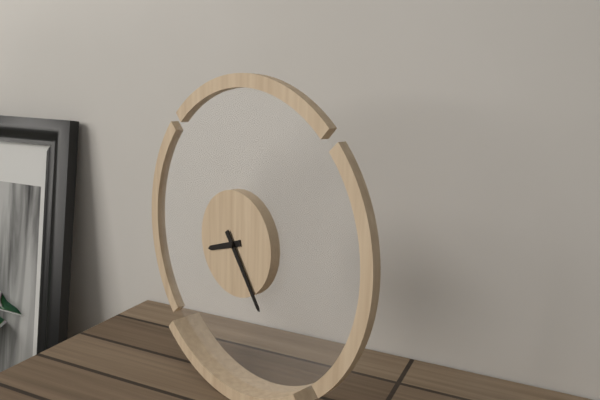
8:24
